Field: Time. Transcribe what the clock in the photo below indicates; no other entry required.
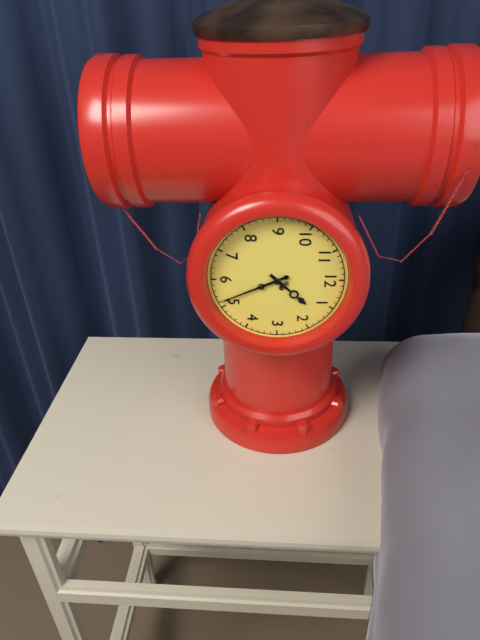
1:26
